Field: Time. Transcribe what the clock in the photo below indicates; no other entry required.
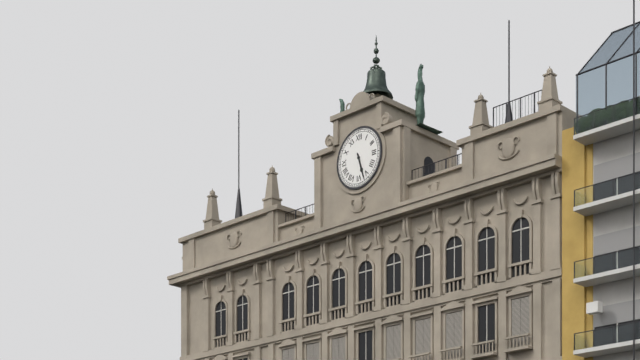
5:27
